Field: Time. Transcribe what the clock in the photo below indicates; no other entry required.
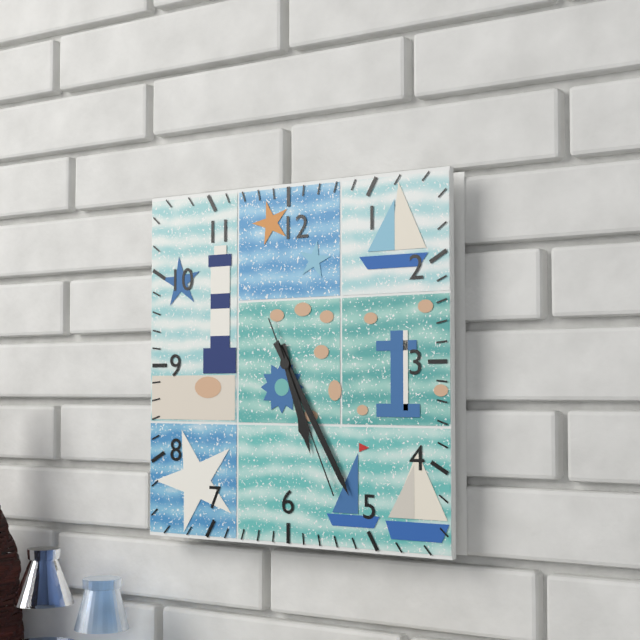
5:25:26
